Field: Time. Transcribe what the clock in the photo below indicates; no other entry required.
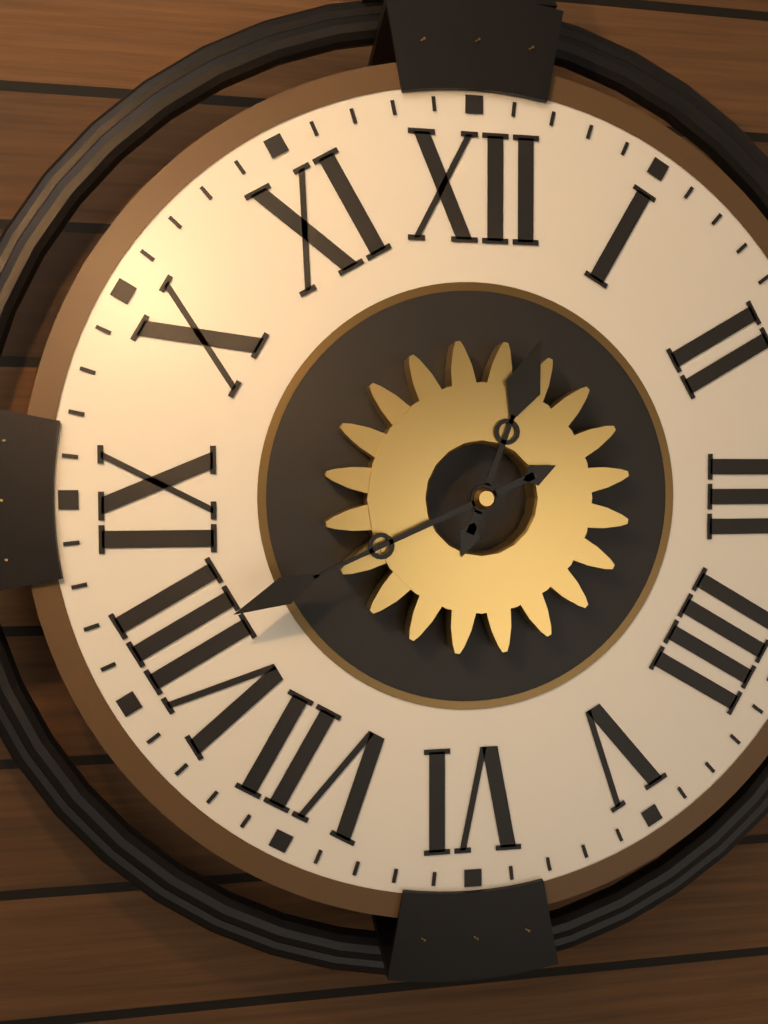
12:41
